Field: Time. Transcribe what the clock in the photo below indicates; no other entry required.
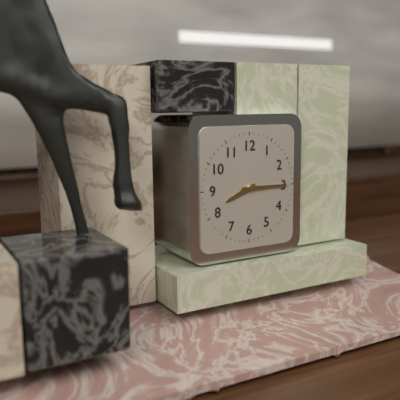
8:15
